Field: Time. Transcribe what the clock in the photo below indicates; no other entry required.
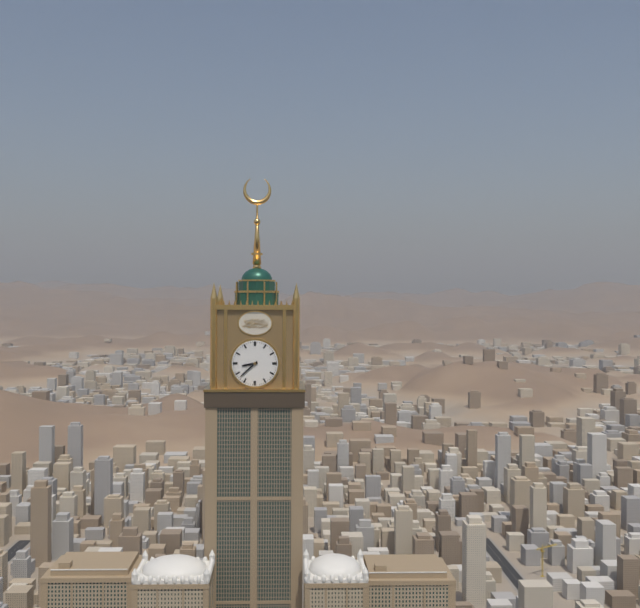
8:38
